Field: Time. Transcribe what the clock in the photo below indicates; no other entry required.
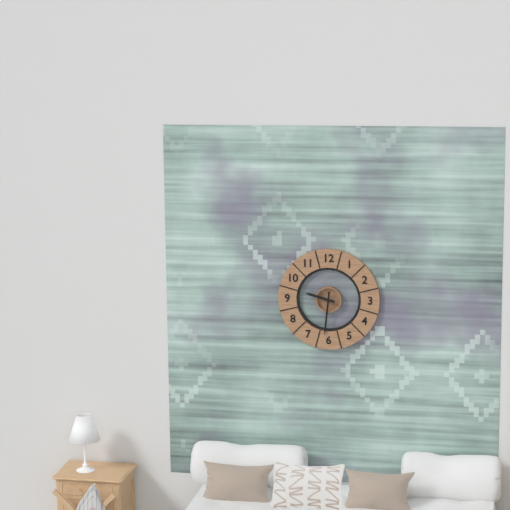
9:31
